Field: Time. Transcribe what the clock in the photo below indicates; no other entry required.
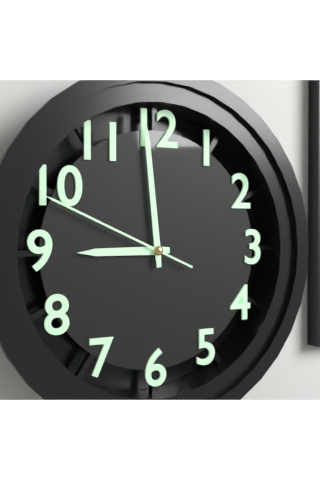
8:59:49
